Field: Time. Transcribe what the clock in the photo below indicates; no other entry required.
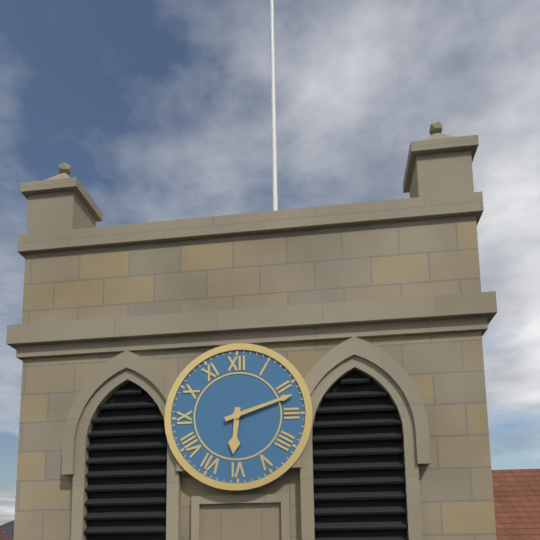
6:12
